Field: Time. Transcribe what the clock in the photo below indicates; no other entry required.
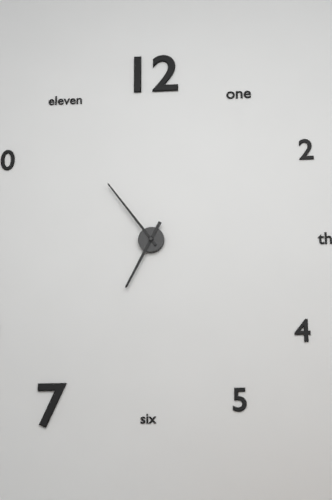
6:54
